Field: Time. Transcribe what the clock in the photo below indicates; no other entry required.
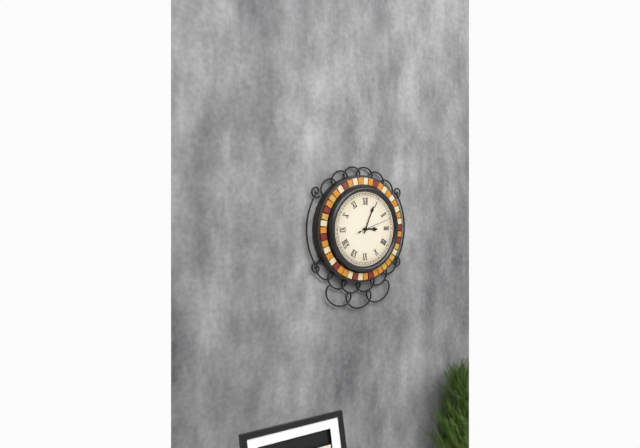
3:04
